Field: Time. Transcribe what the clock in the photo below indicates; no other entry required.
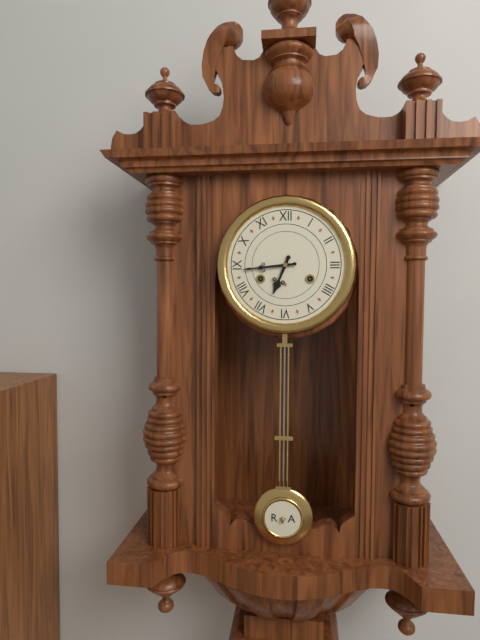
6:44
